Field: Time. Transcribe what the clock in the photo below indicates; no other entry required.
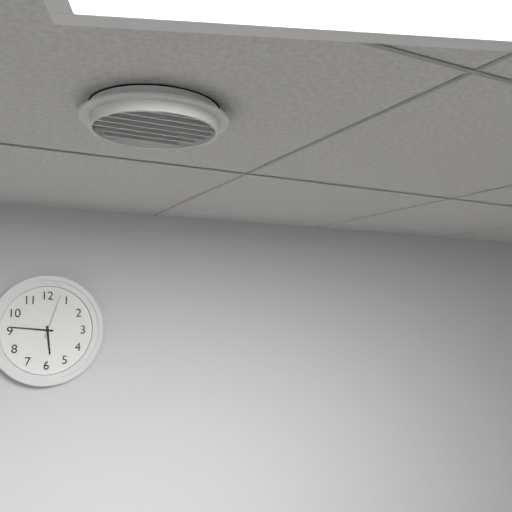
5:46
